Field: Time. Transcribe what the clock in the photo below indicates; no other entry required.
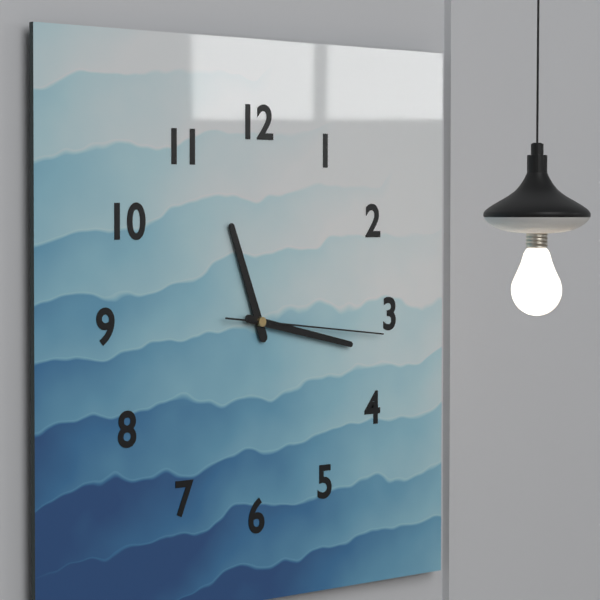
11:17:16
